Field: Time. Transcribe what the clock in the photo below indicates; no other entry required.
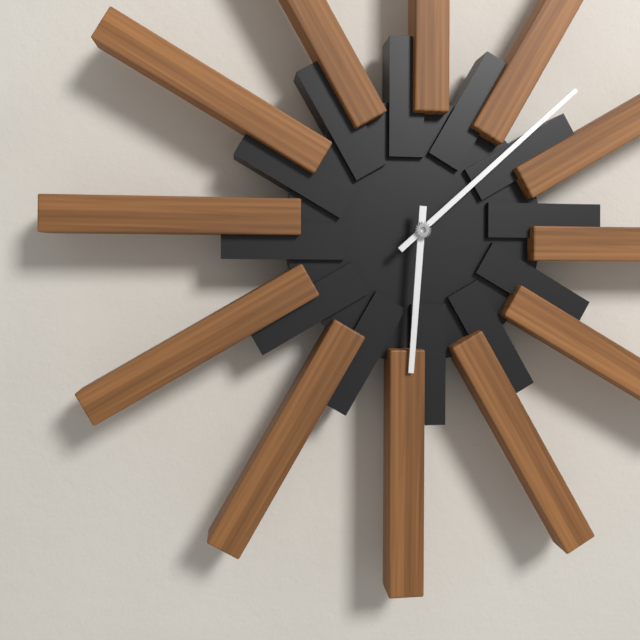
6:08
